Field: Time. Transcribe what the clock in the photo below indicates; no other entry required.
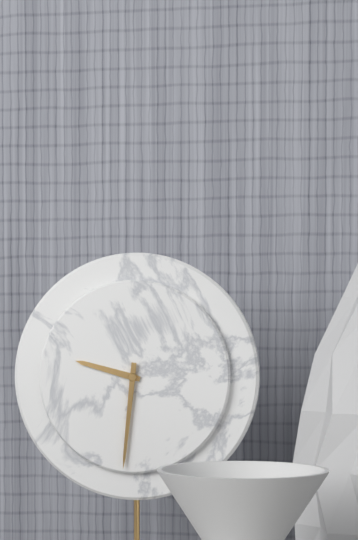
9:31
